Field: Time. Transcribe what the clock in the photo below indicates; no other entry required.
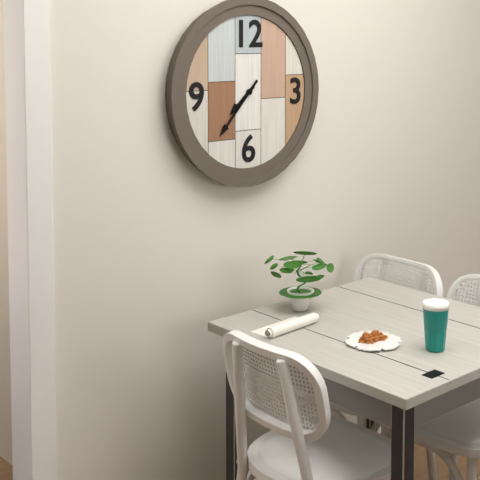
7:37
